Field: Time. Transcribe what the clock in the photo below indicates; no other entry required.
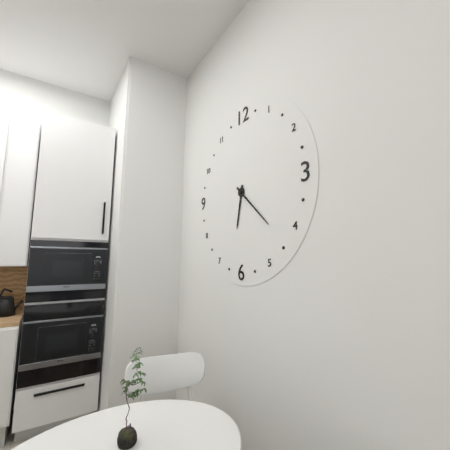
6:22
